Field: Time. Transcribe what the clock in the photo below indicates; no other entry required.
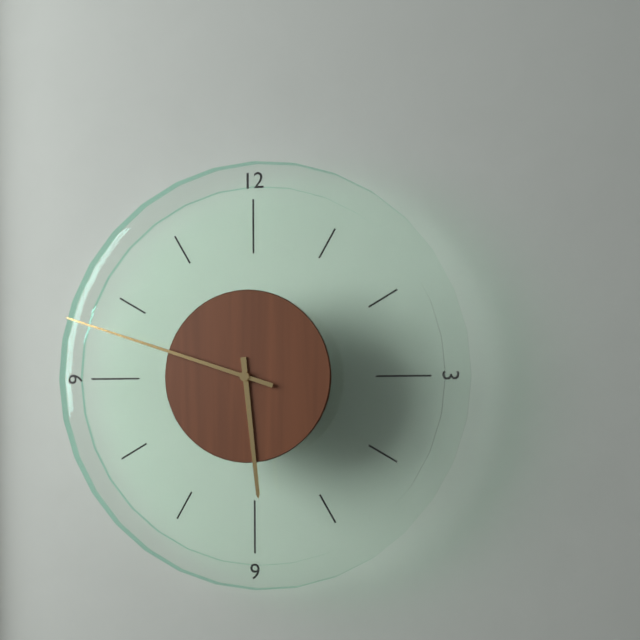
5:48
